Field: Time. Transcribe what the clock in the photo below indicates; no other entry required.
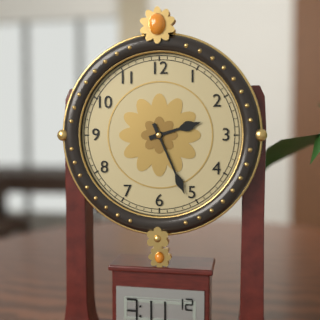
2:26
